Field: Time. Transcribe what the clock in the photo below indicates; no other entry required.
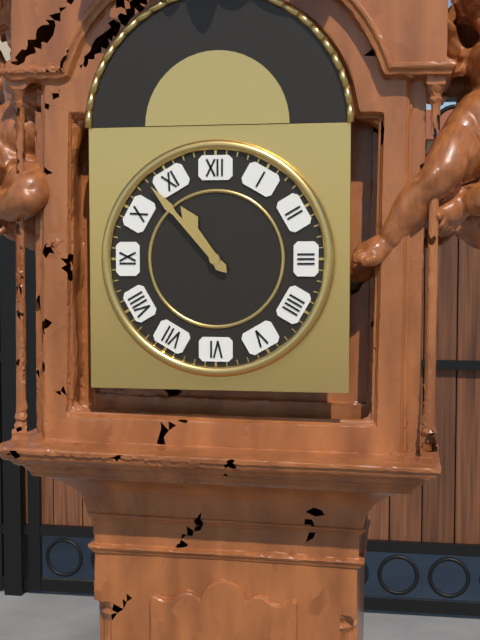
10:53
